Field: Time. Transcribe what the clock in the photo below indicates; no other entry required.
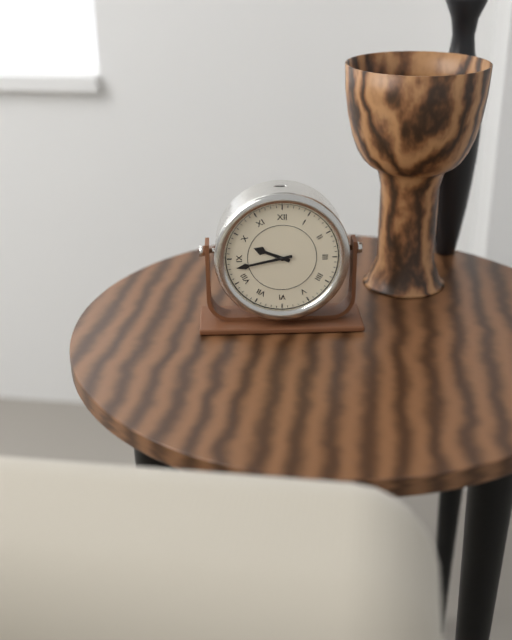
9:43
